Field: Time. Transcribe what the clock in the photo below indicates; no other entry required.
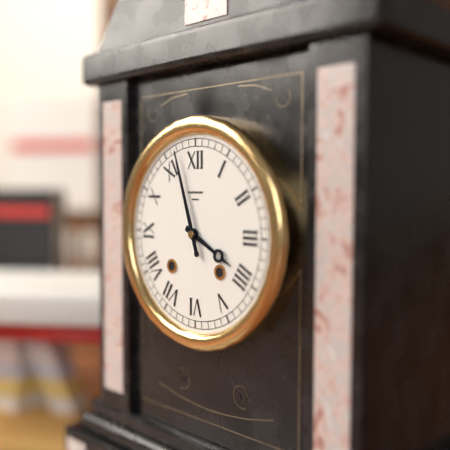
3:57
